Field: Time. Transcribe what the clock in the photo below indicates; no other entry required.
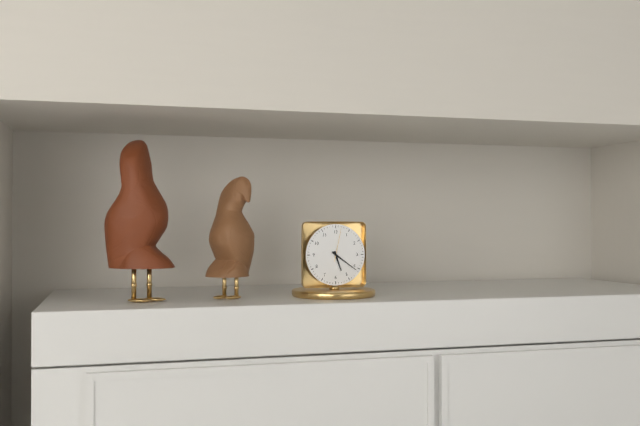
5:21
